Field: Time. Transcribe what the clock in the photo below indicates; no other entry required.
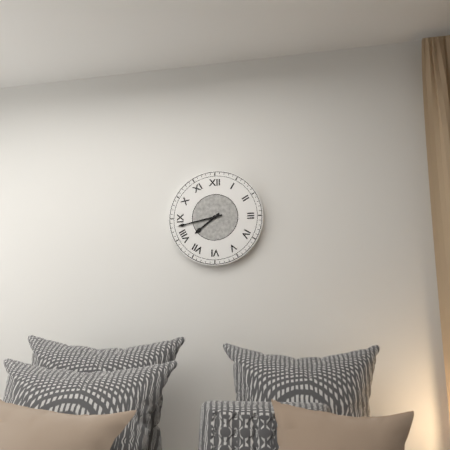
7:43
